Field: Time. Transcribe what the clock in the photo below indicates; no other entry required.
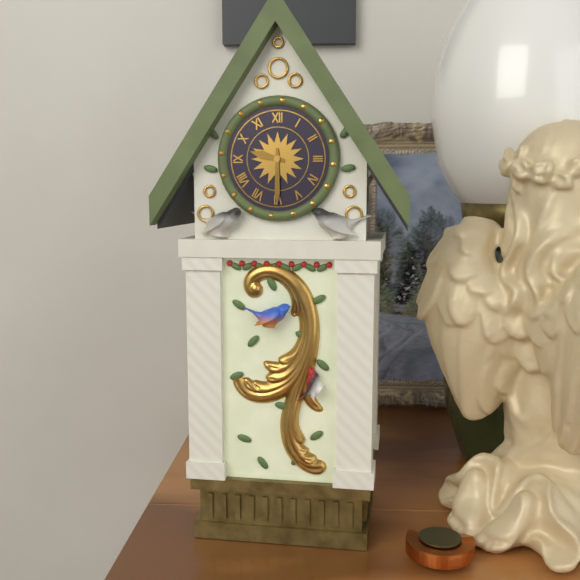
9:30
